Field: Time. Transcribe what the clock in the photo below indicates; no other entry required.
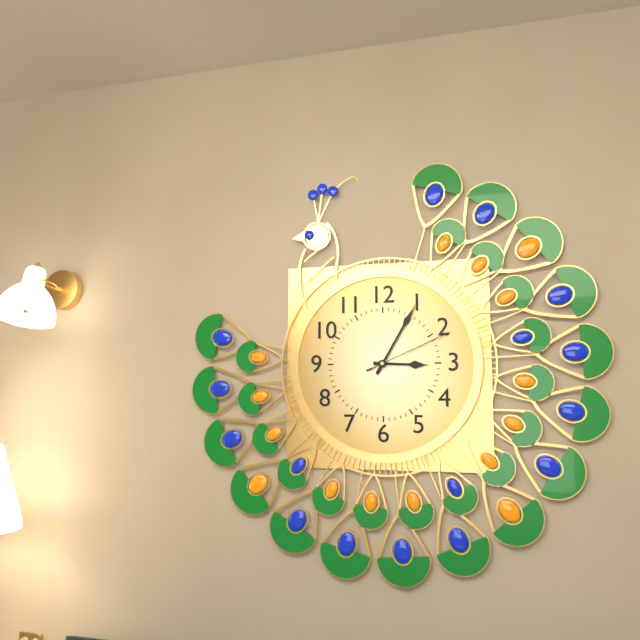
3:05:11
